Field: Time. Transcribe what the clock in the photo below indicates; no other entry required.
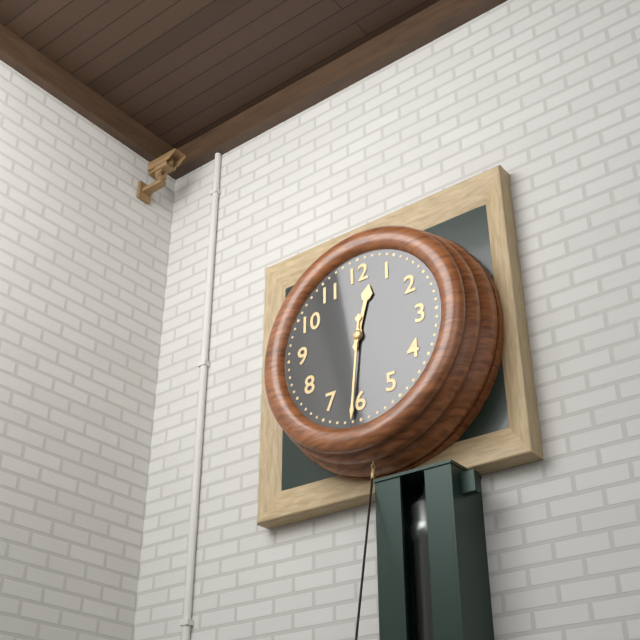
12:31
